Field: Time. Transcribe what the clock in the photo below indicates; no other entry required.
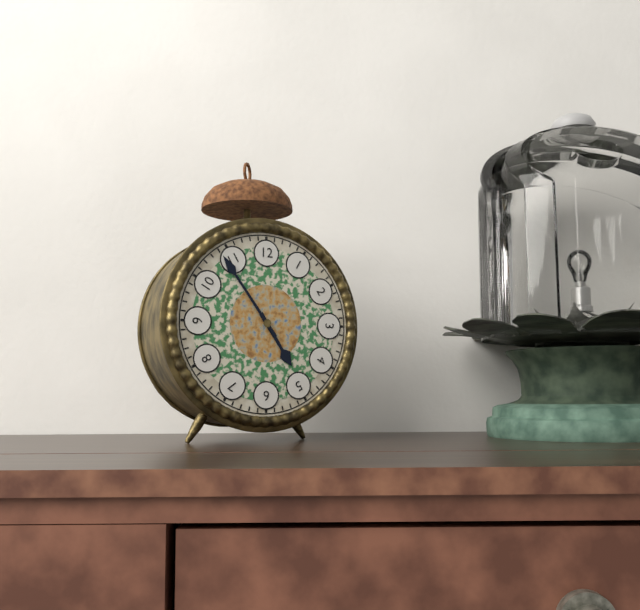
4:54
